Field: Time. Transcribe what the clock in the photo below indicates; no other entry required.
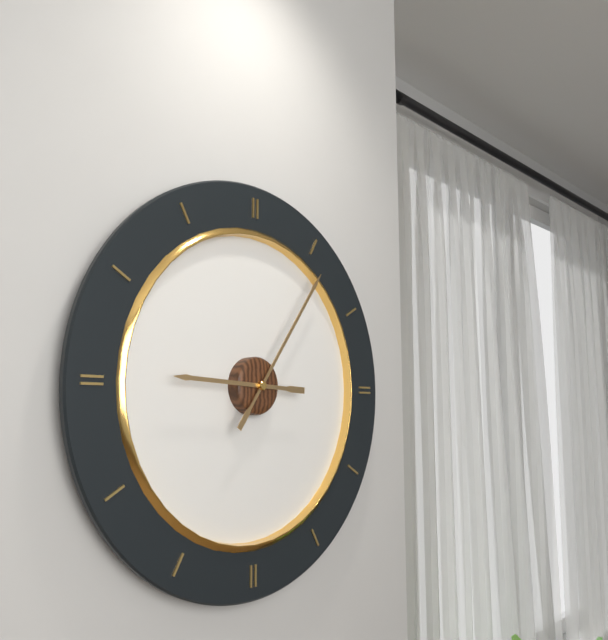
9:06
